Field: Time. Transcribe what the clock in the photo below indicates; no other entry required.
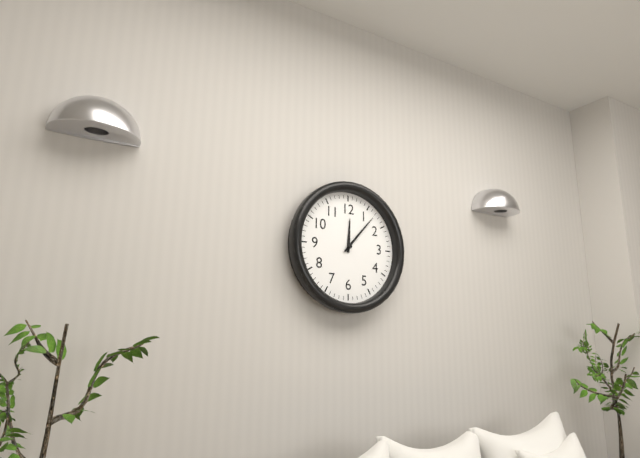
12:07
